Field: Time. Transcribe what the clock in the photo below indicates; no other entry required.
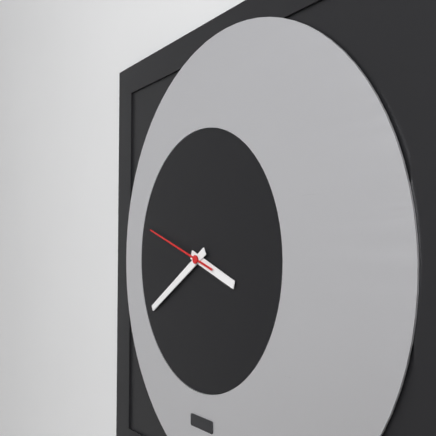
3:40:48
